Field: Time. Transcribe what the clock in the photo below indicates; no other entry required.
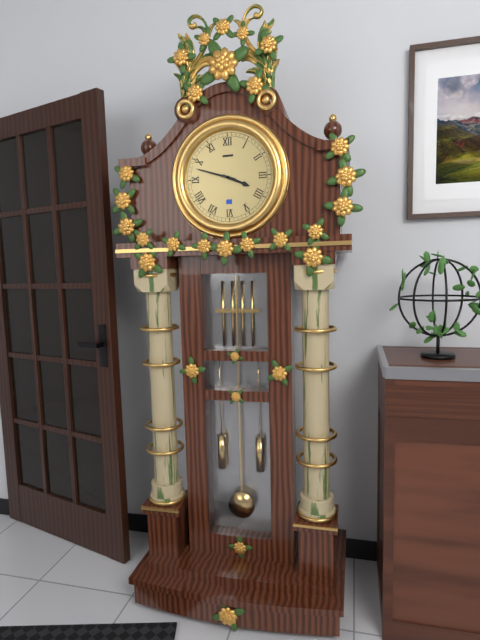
3:48
